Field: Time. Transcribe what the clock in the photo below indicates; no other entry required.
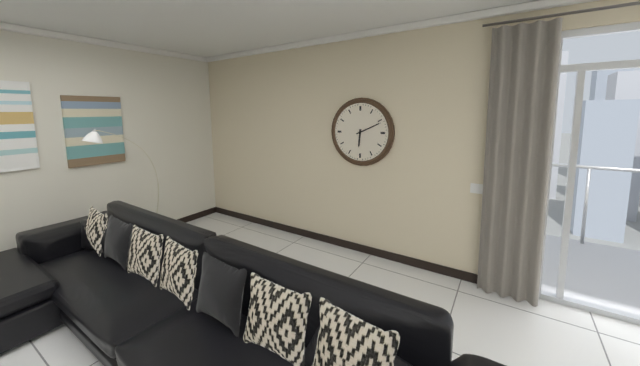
6:11
